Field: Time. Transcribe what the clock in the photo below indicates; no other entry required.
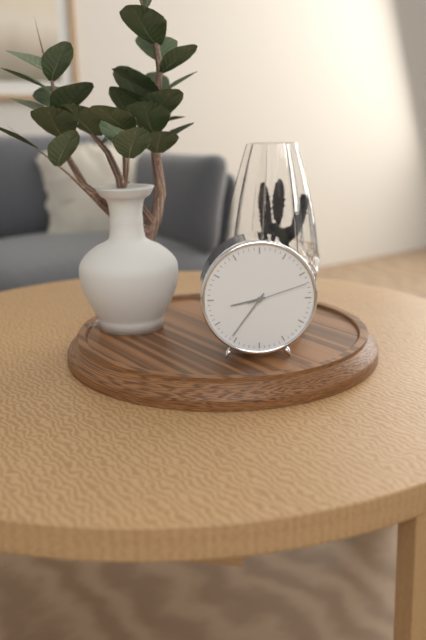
8:36:12
